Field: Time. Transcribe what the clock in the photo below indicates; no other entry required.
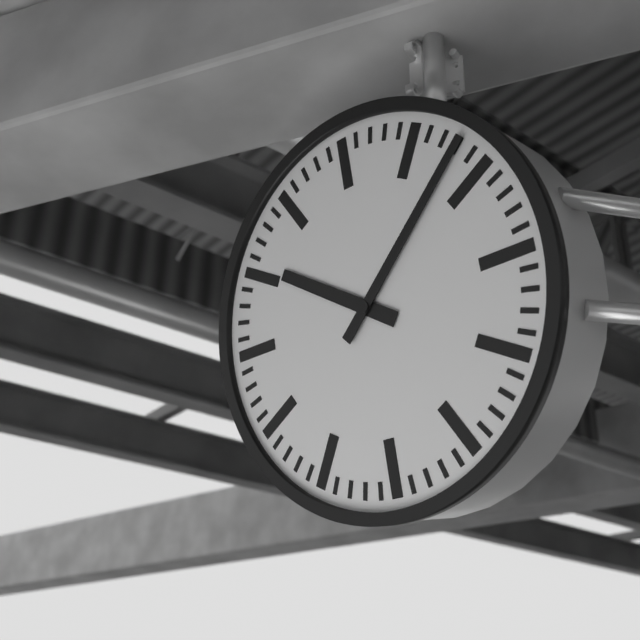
10:08
